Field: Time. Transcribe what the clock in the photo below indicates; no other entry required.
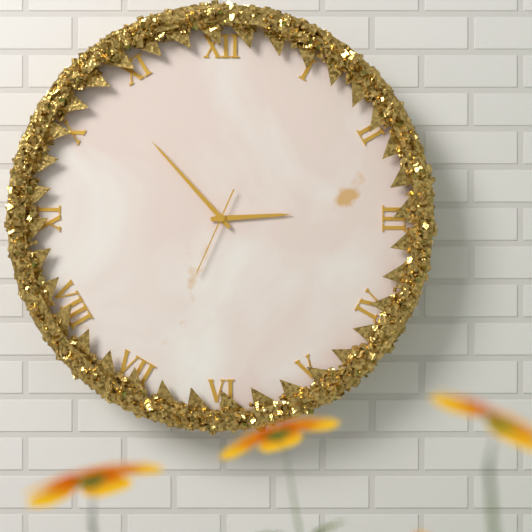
2:53:34
